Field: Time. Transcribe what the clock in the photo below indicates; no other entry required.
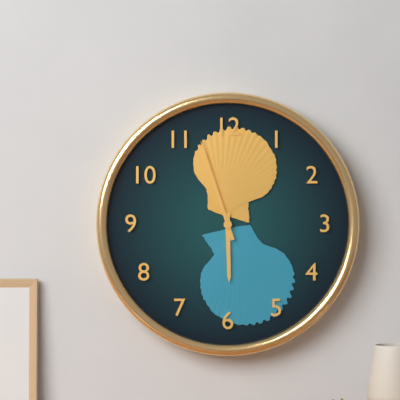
5:57
